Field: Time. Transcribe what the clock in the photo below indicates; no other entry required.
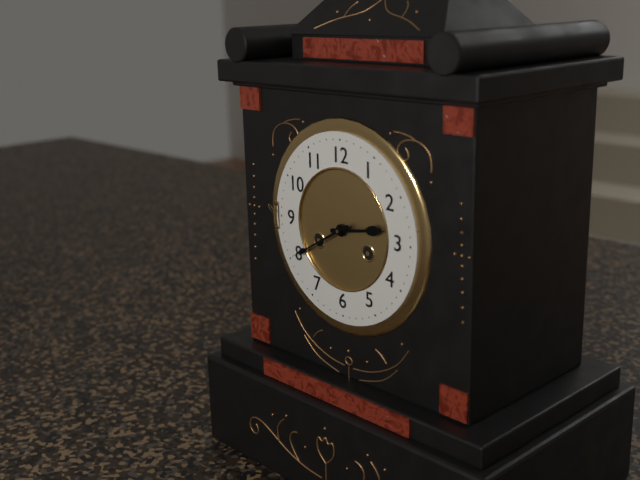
2:40
